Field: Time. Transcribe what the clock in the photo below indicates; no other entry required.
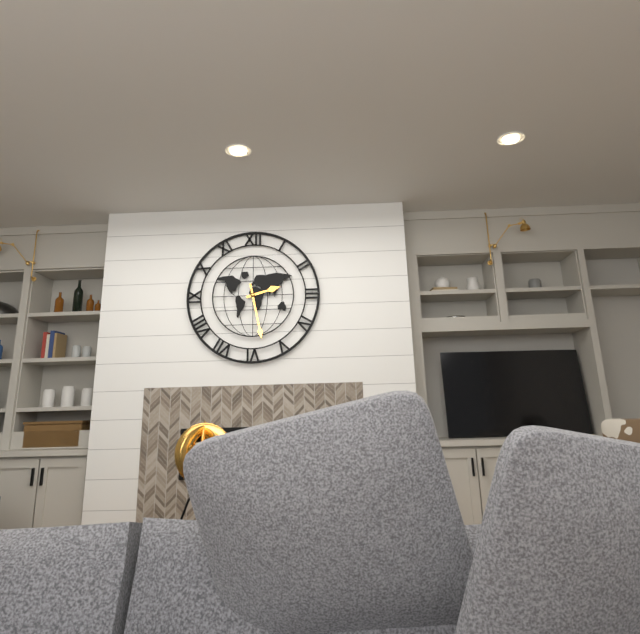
2:28
